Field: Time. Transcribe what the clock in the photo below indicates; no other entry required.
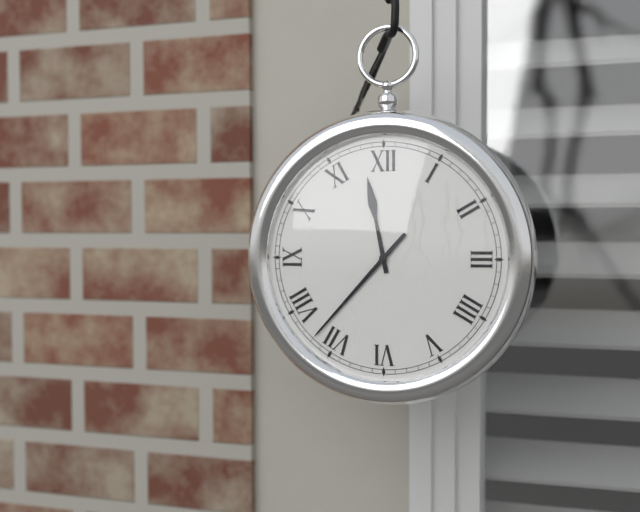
11:37
